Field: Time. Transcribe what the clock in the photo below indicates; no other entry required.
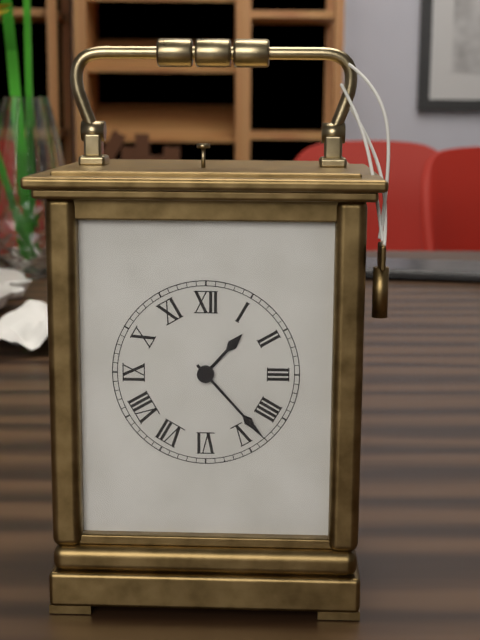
1:23
